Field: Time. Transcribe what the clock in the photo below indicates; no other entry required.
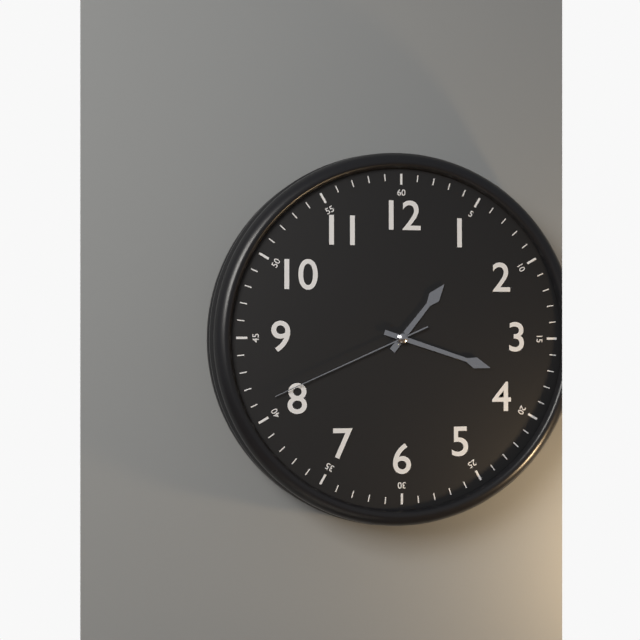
1:18:41
